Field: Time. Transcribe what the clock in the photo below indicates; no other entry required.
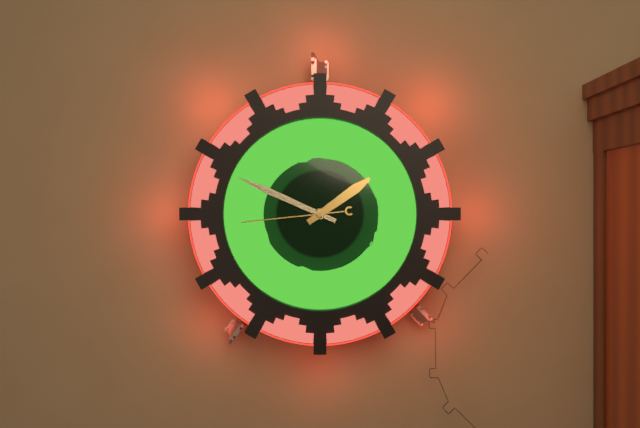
1:49:44
